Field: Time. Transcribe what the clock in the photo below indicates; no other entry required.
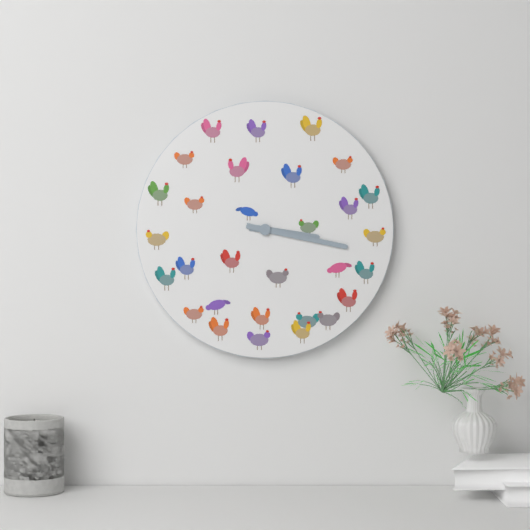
3:17
